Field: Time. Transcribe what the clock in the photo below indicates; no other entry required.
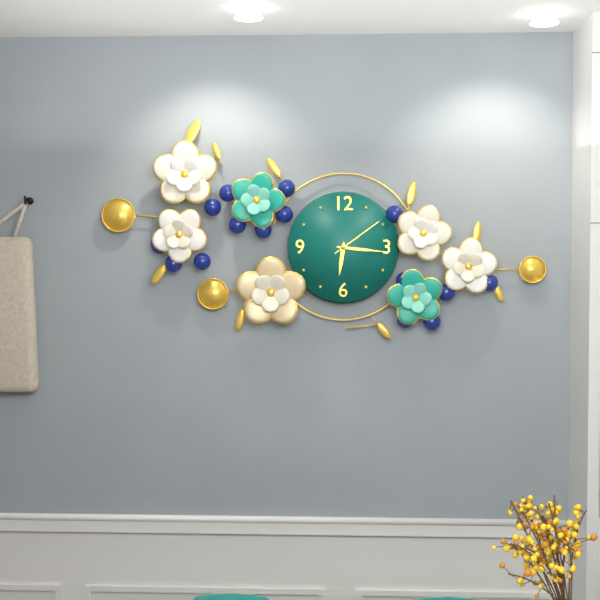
6:16:09
